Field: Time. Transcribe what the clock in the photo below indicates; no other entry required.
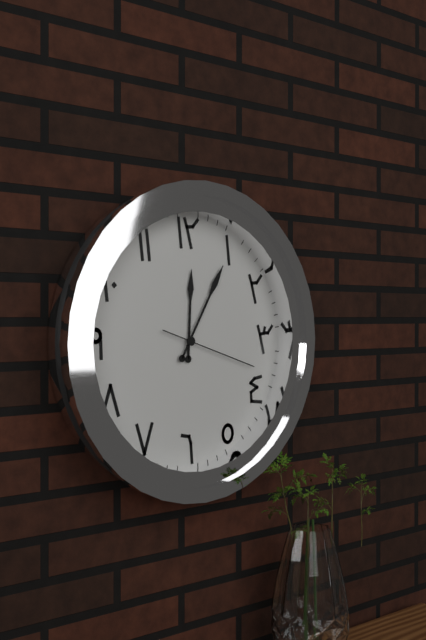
12:05:18
